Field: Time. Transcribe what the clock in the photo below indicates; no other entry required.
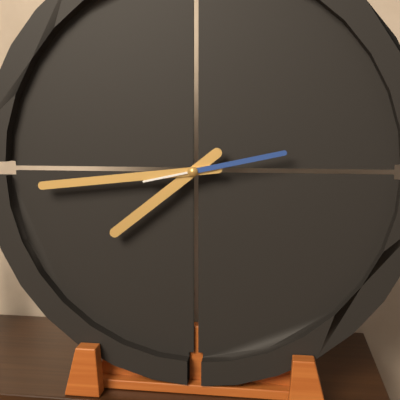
7:44:13
